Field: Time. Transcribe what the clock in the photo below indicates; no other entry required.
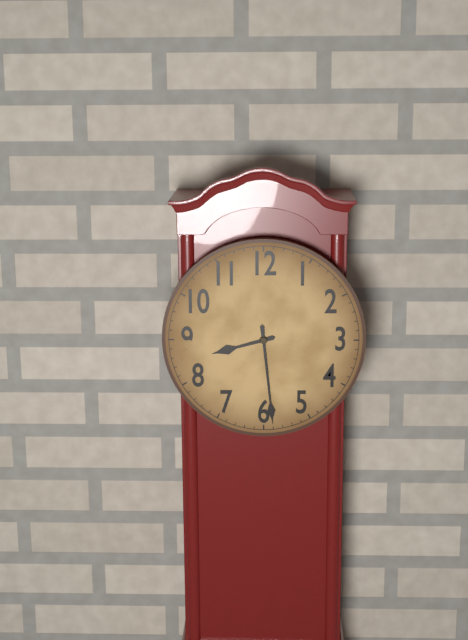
8:29
